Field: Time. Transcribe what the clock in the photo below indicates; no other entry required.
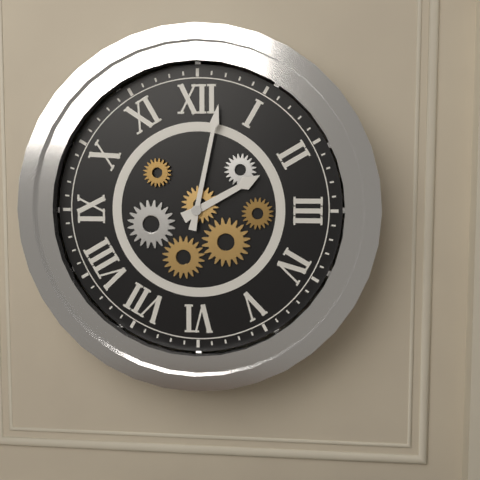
2:02
